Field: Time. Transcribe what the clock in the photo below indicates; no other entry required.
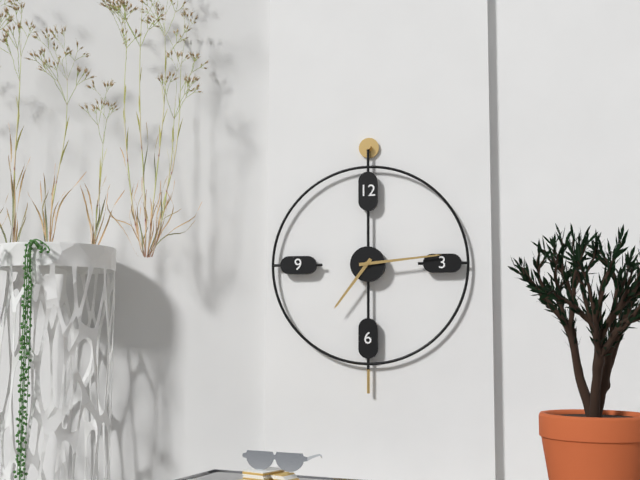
7:14
